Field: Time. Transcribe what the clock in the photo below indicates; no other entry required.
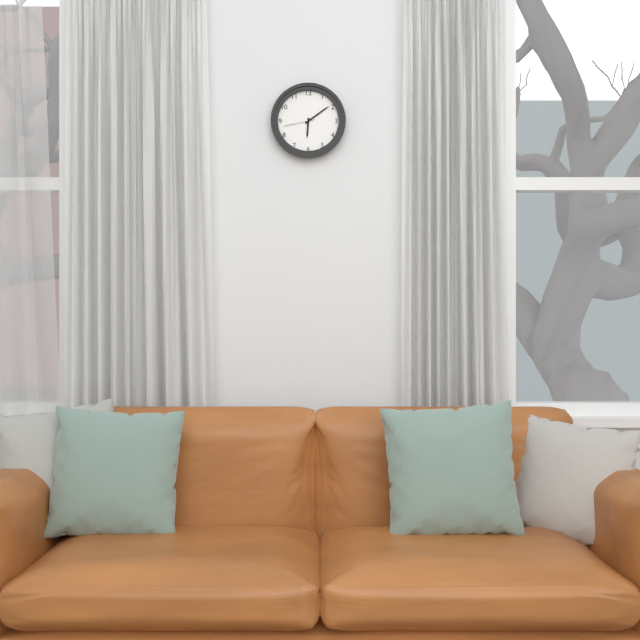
6:09
